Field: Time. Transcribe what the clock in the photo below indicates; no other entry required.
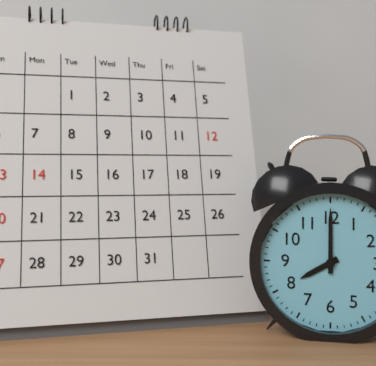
8:00
